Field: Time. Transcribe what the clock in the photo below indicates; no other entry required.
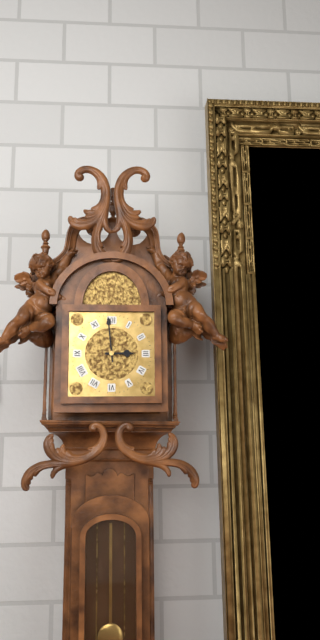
2:59
